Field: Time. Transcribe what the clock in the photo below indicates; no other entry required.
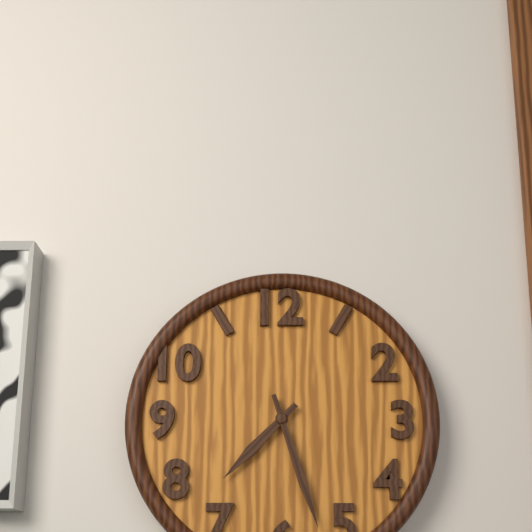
7:27
